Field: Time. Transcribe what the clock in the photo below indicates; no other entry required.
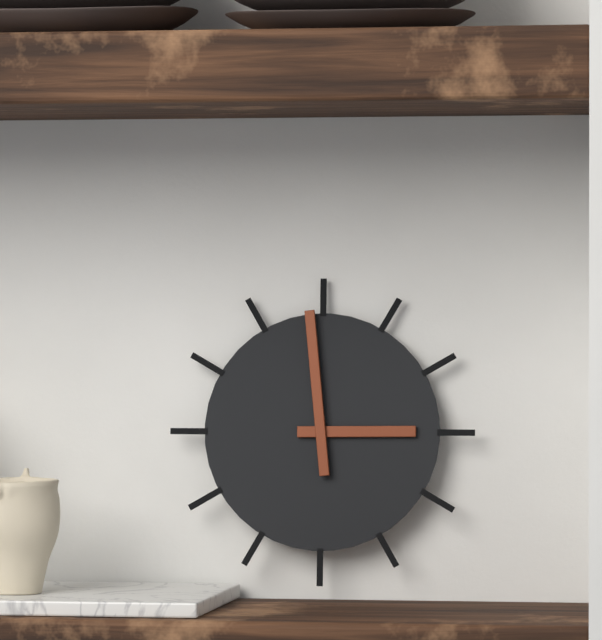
2:59
